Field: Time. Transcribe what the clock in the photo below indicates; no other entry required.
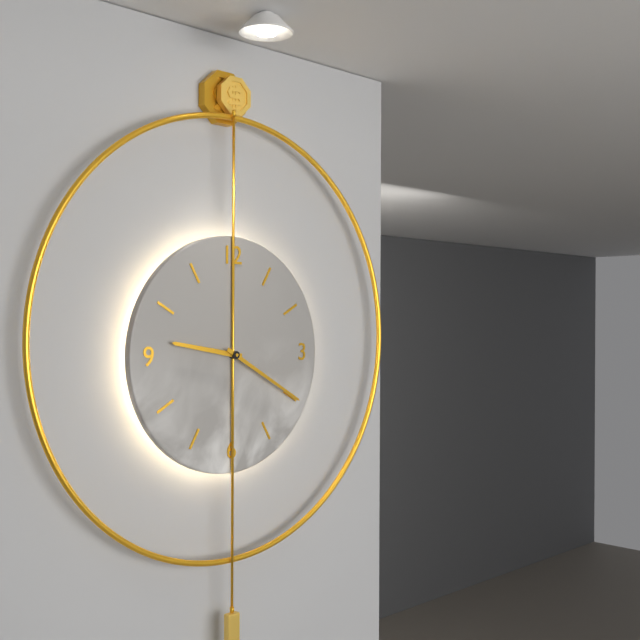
9:20
